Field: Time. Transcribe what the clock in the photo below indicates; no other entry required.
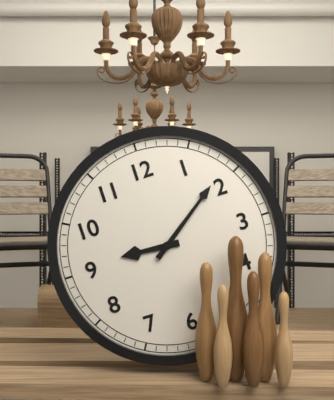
9:09
